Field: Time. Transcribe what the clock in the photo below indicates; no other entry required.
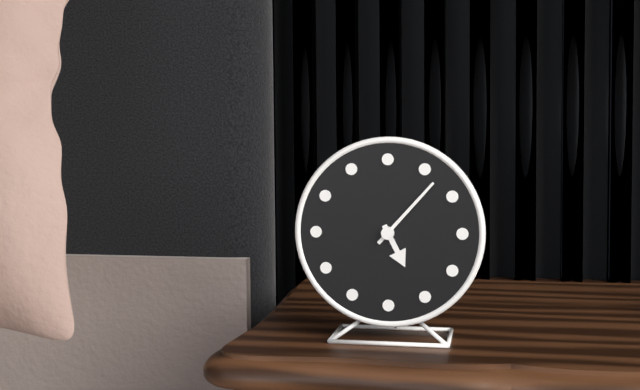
5:07
